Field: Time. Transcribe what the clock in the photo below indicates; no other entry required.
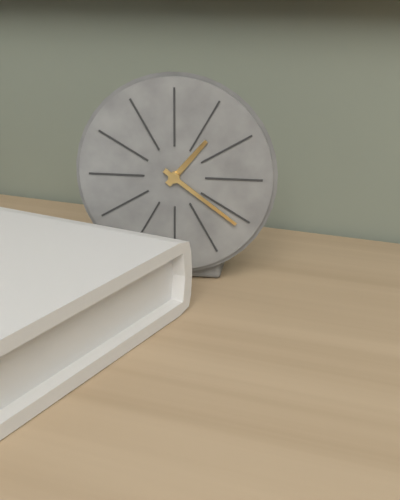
1:21
